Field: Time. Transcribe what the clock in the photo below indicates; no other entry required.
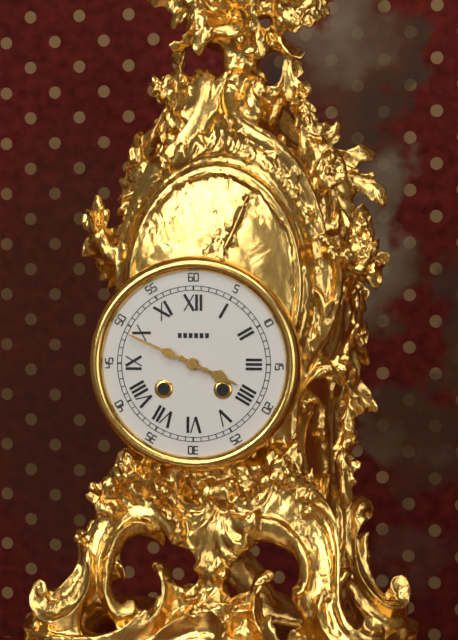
3:49
